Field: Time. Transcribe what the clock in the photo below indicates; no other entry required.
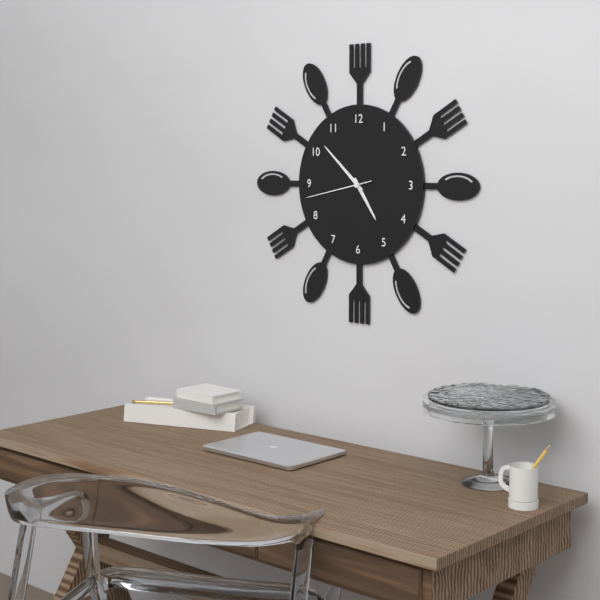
4:52:43
